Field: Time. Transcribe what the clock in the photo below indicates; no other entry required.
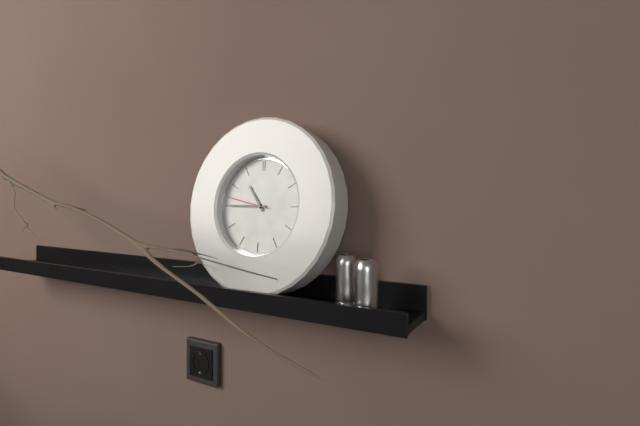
10:45
